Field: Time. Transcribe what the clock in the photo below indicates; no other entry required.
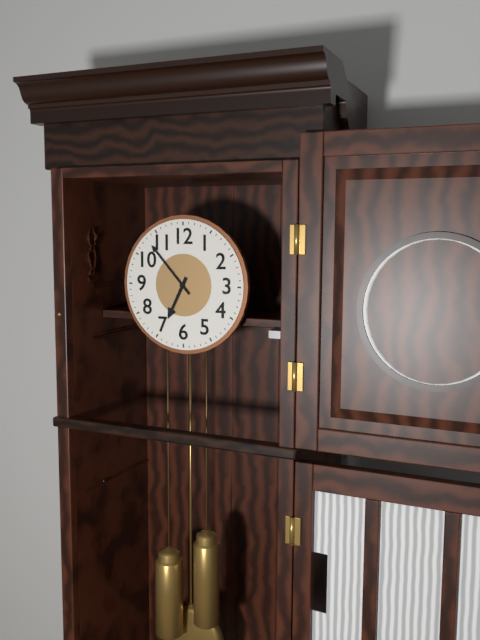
6:53
